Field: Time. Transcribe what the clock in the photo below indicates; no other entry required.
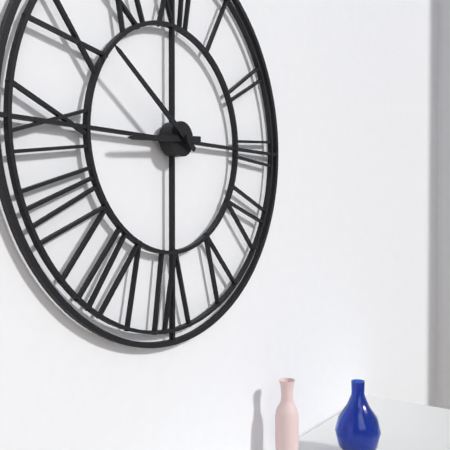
8:51
